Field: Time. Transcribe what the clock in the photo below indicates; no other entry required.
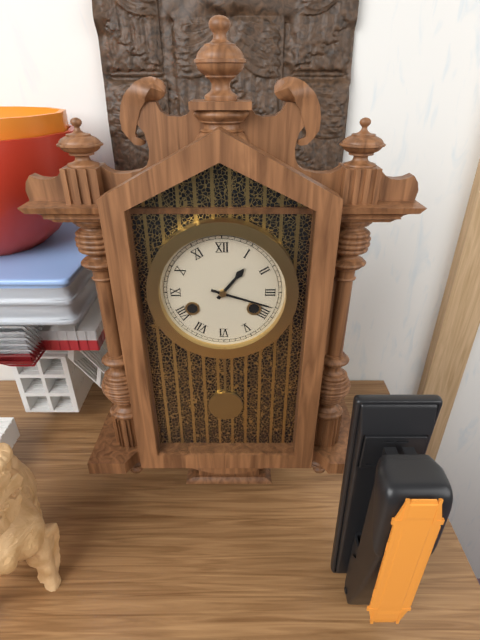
1:18
